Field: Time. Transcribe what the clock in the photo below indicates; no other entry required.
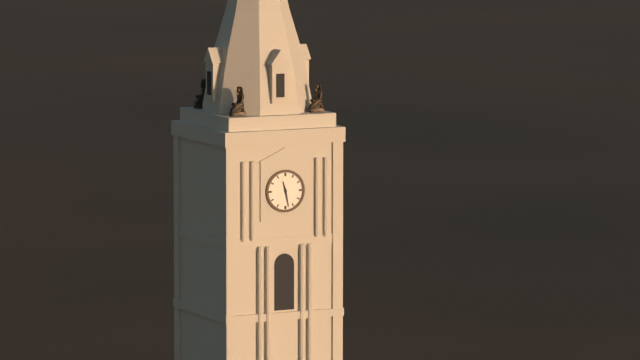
11:28
